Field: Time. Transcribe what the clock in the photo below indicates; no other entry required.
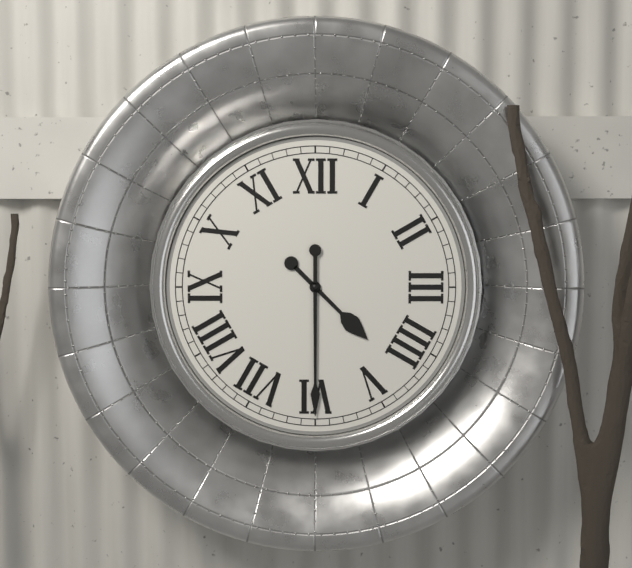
4:30
